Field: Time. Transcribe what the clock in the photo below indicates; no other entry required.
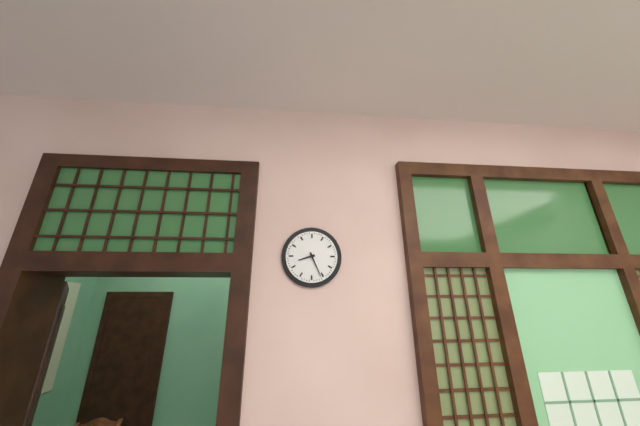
8:26
